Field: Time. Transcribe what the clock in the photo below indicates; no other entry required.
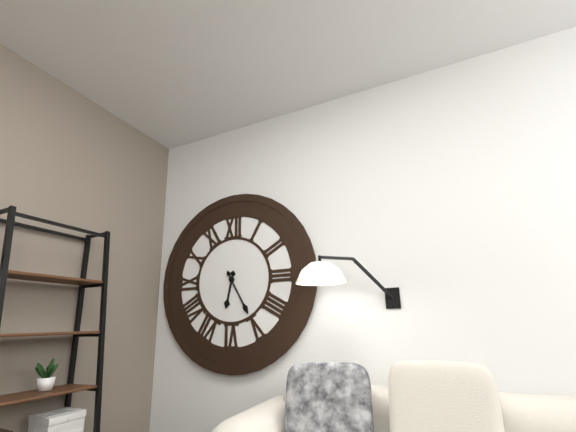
6:25
